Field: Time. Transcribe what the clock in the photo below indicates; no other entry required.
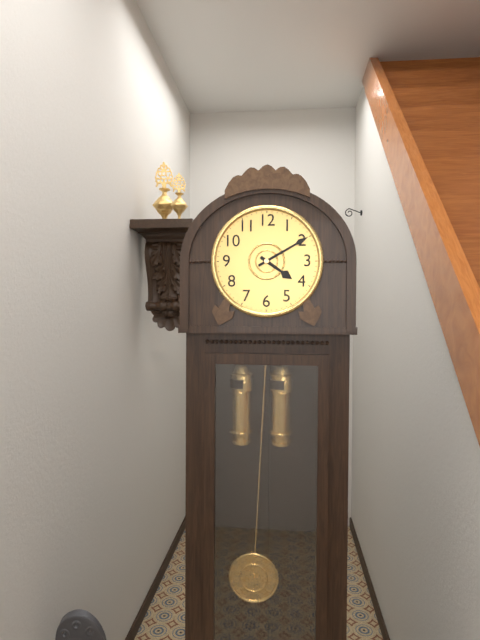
4:10
